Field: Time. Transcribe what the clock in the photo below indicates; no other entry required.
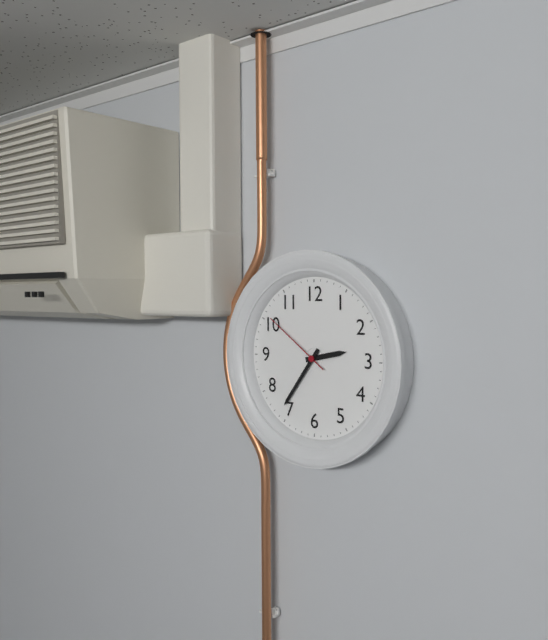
2:36:51
